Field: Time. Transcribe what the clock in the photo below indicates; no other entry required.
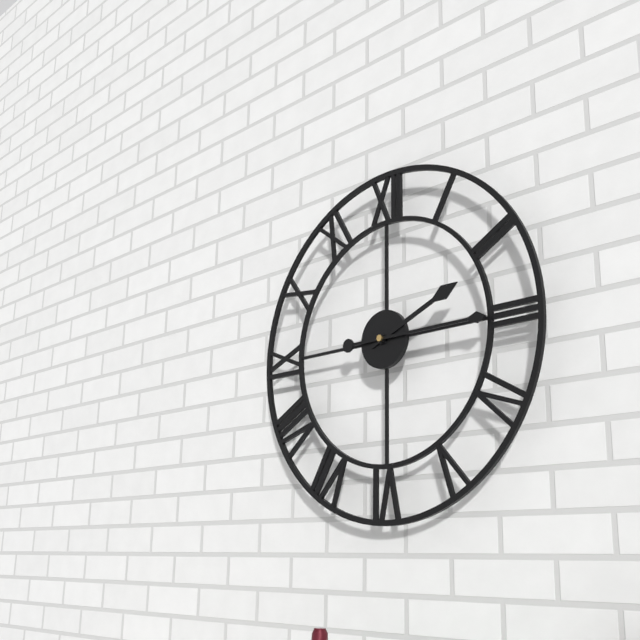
2:15
